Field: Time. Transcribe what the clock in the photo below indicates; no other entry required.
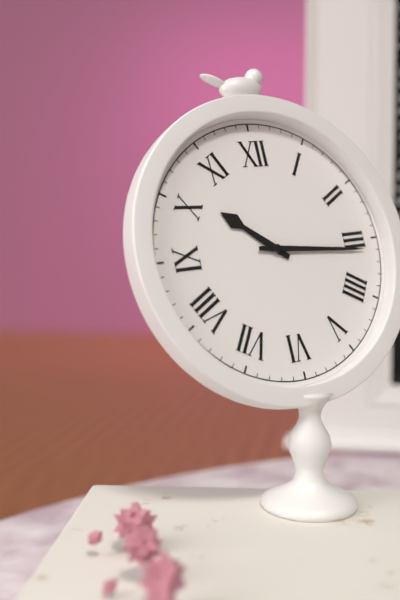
10:16
